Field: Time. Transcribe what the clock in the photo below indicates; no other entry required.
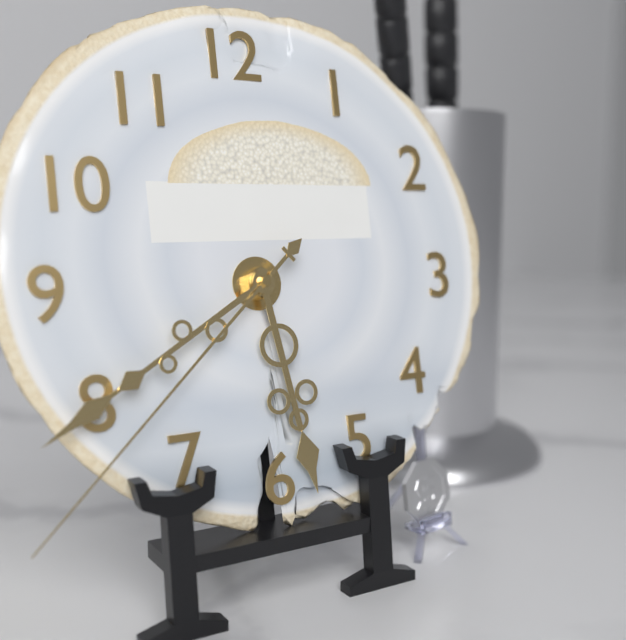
5:40:38
